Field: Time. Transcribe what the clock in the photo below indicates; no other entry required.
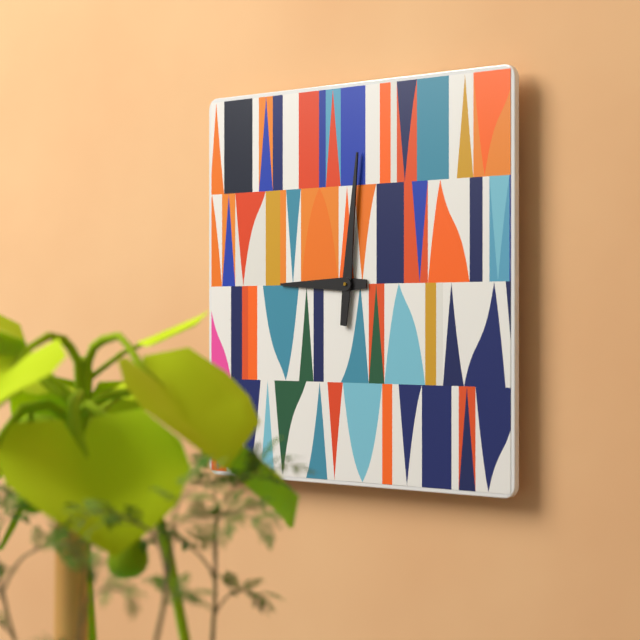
9:01
